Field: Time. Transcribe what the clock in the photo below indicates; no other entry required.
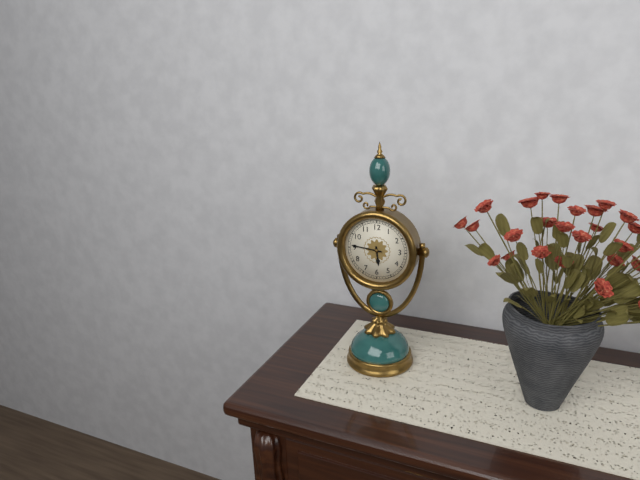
5:46
